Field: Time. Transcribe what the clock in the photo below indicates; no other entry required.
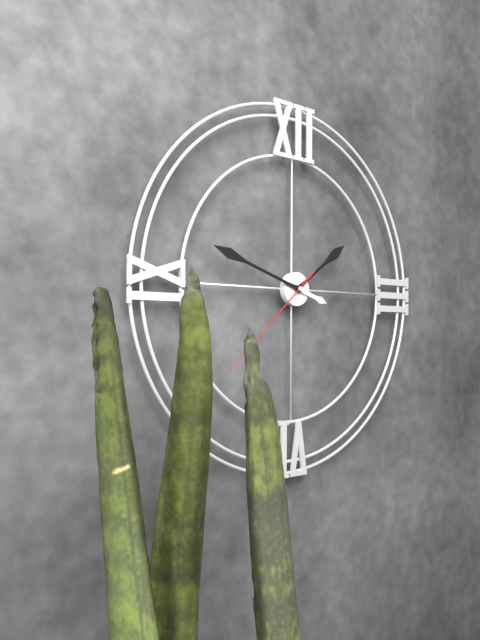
1:48:38
